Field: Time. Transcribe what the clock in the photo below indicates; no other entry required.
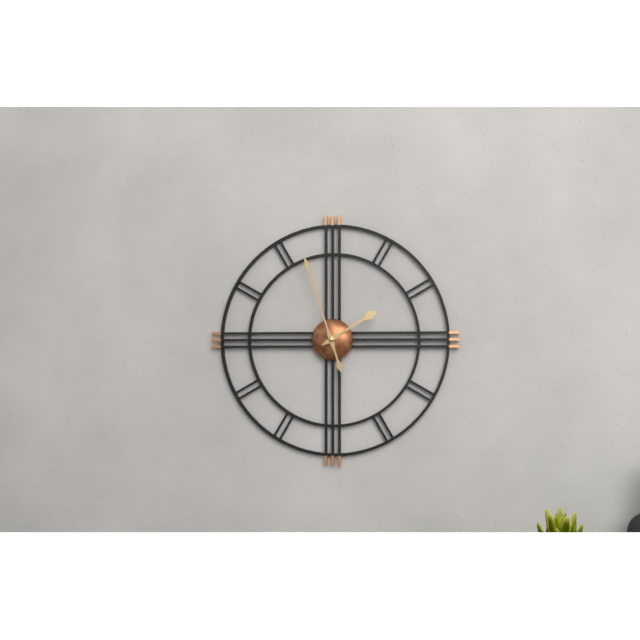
1:57
